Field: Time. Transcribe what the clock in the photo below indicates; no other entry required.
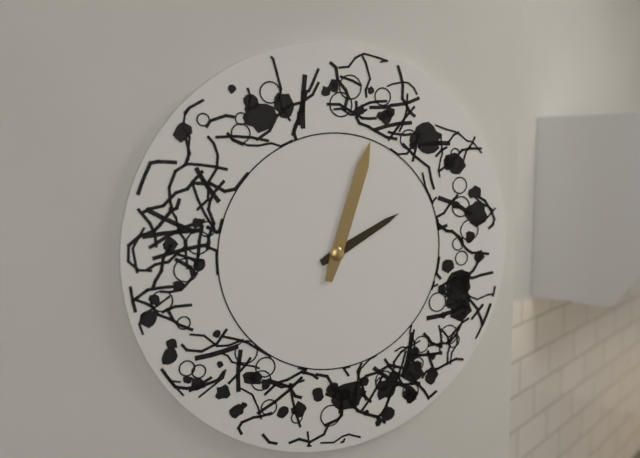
2:03
